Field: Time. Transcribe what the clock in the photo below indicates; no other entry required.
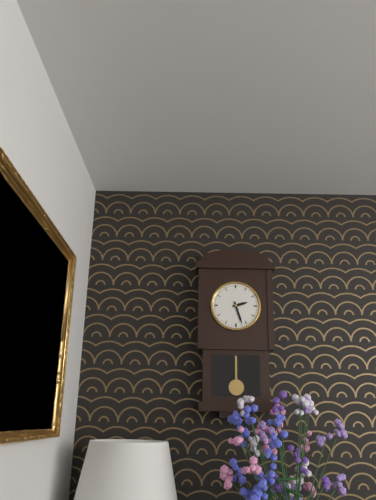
2:27
